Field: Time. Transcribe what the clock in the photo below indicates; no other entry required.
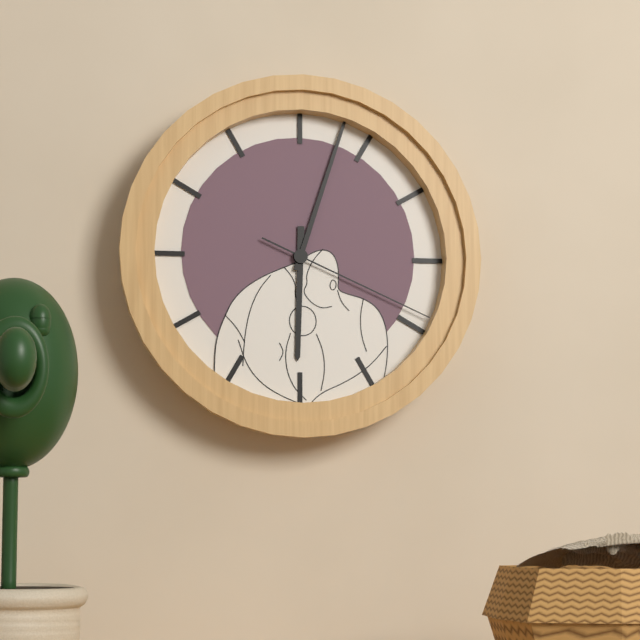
6:03:19
